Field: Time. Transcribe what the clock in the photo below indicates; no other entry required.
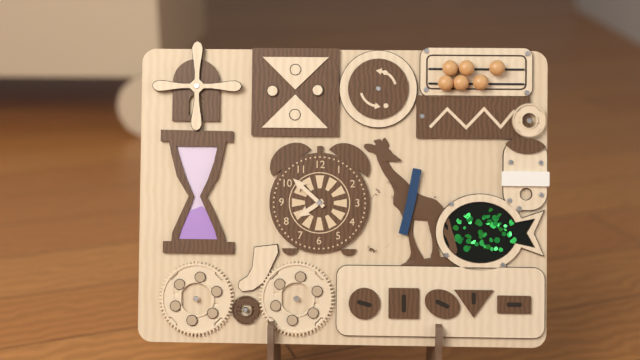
7:52
